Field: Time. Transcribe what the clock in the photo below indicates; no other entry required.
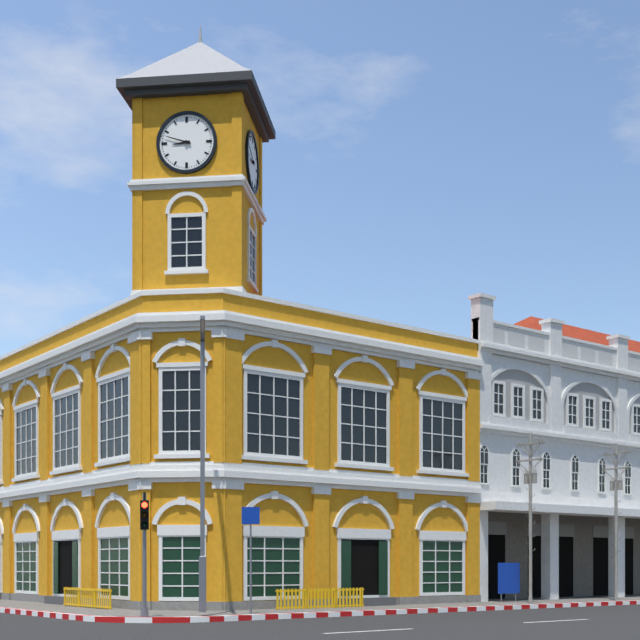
8:48
